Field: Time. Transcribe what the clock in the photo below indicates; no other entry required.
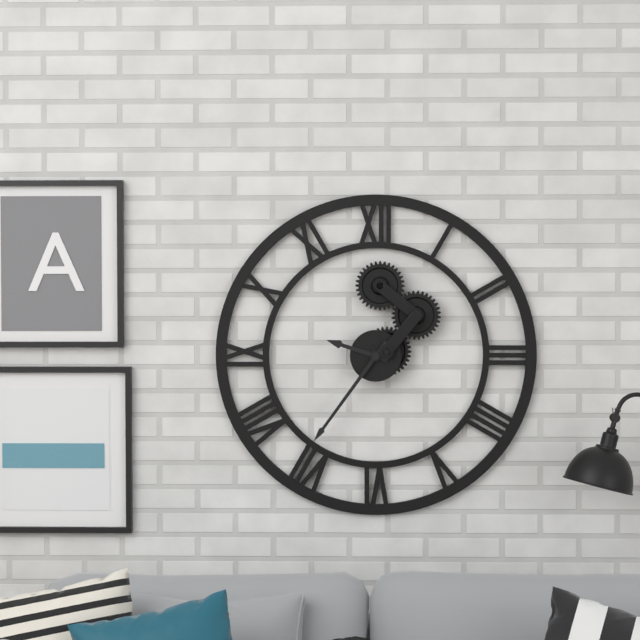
9:36
